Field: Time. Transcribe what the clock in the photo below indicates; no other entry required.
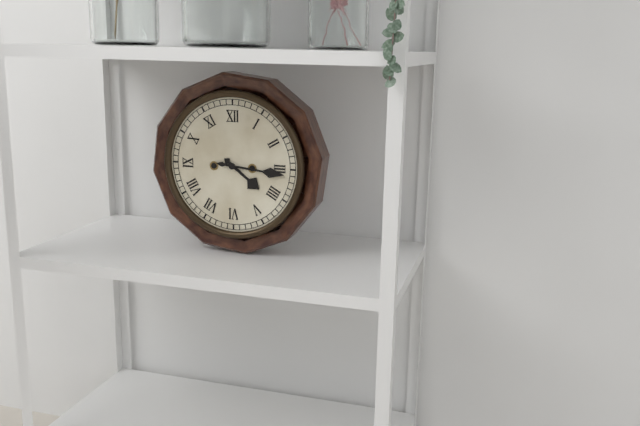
4:16
